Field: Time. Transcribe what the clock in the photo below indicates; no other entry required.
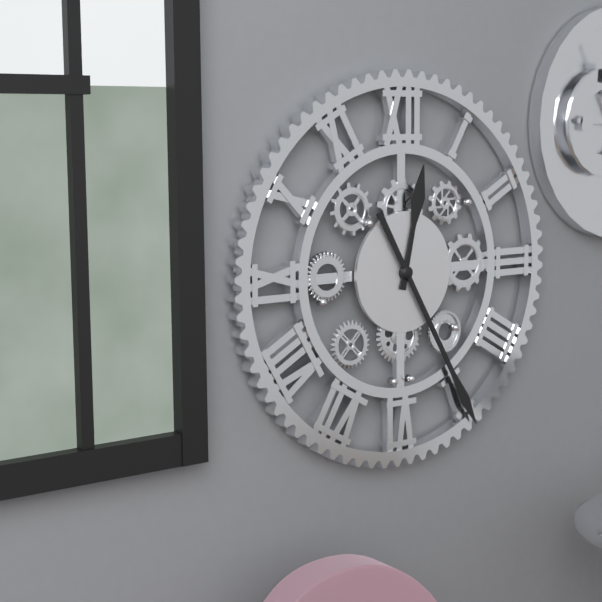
12:25
